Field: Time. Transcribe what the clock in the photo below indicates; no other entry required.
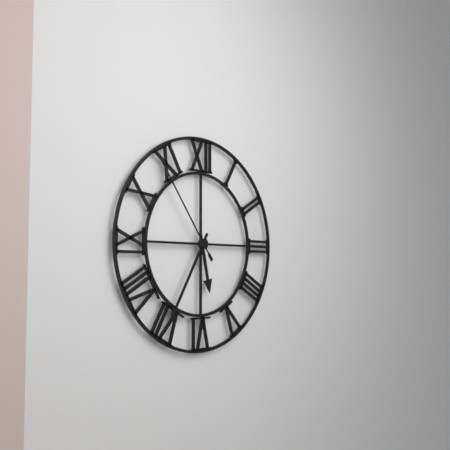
5:35:54
